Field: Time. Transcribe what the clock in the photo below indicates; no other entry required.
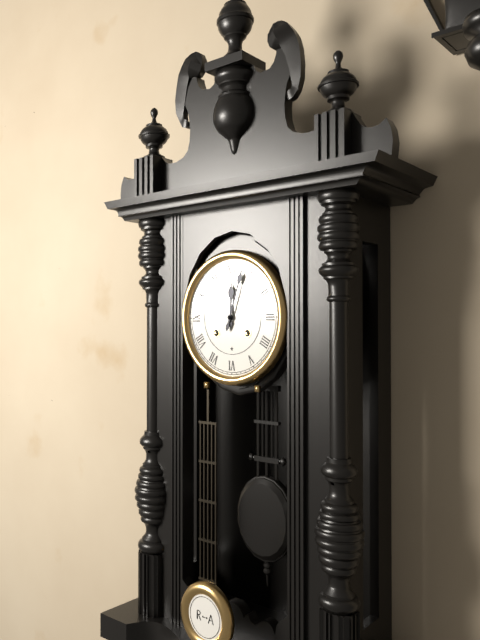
12:03
